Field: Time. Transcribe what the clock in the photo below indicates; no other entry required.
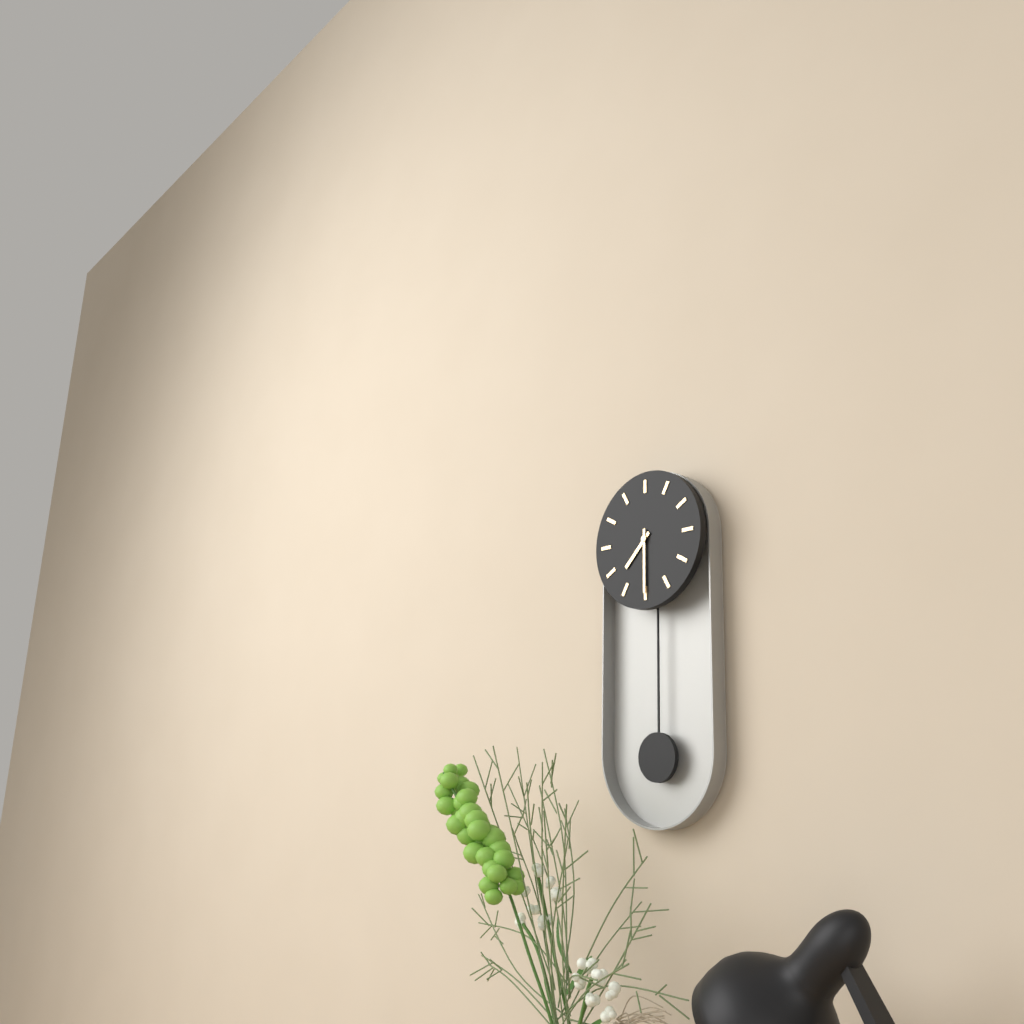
7:30
